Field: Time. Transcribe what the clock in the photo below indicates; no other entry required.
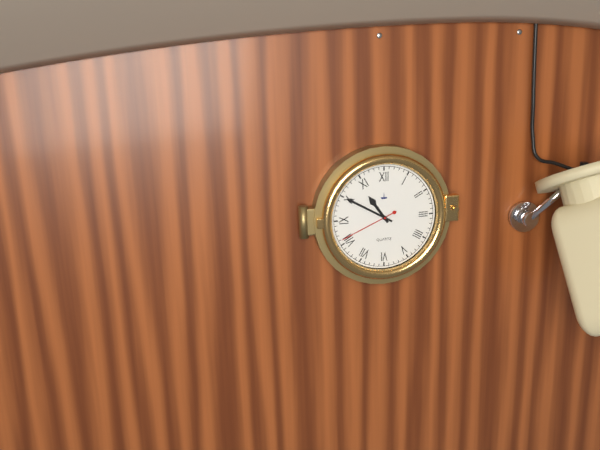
10:50:41
